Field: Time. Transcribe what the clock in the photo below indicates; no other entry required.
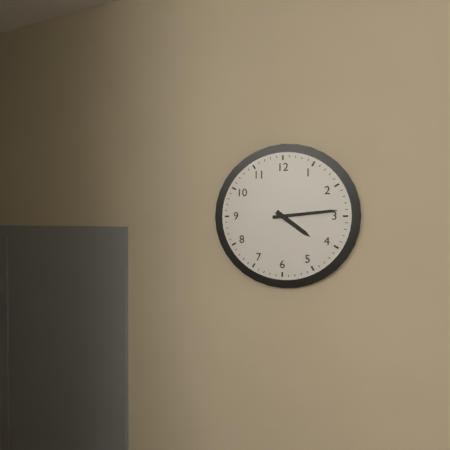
4:14
